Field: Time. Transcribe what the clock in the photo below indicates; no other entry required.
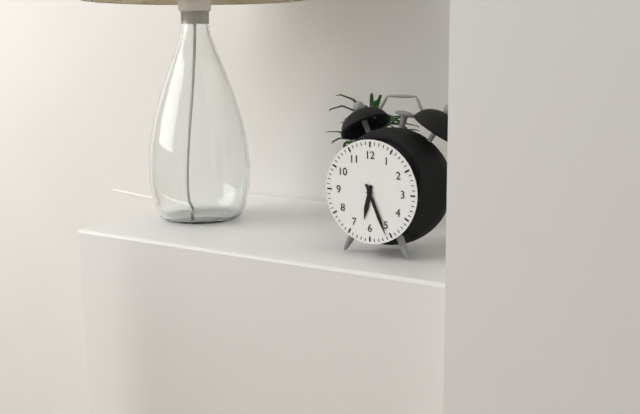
6:26
